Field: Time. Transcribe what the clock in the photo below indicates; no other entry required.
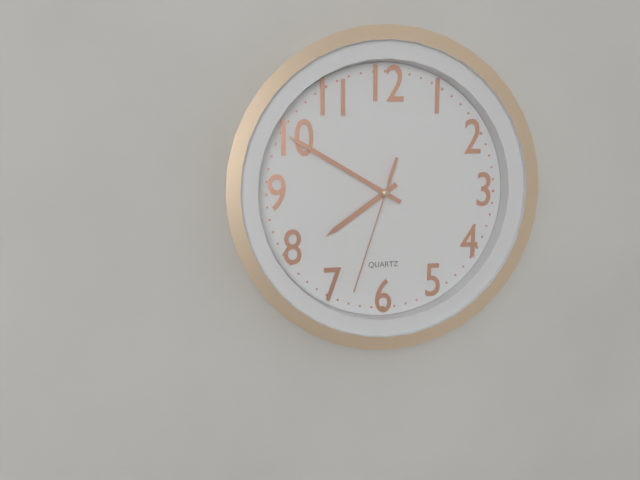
7:50:33
